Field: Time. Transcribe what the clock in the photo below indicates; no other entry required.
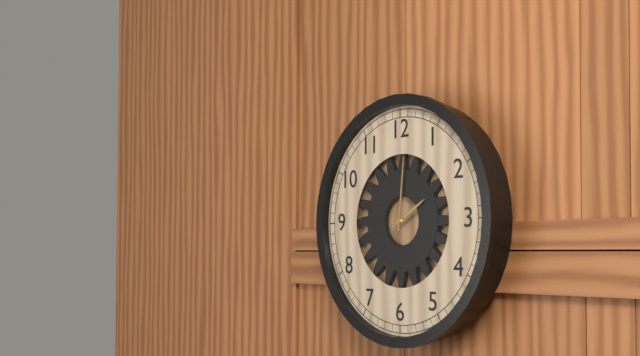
2:01
